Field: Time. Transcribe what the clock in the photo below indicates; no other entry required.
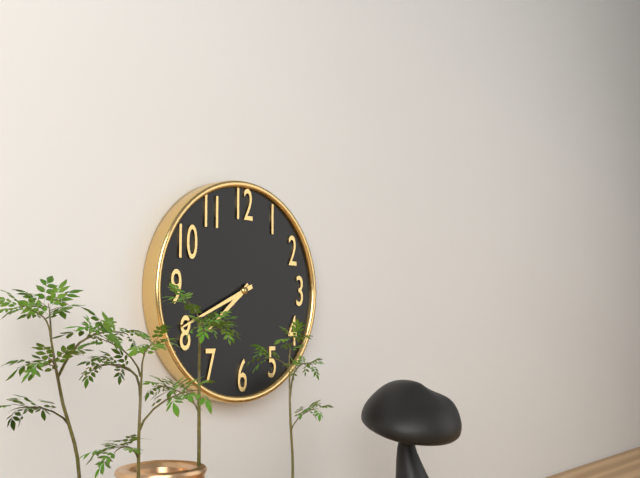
7:41
